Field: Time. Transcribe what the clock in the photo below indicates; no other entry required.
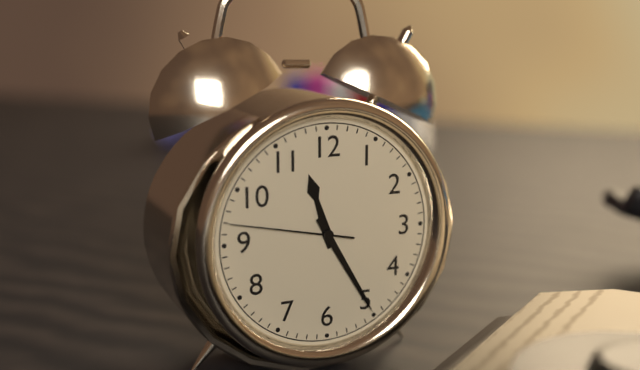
11:25:47
